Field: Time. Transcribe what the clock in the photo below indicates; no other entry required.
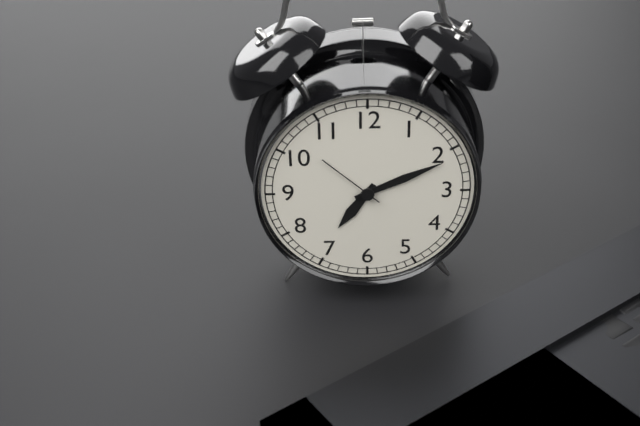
7:11:52
